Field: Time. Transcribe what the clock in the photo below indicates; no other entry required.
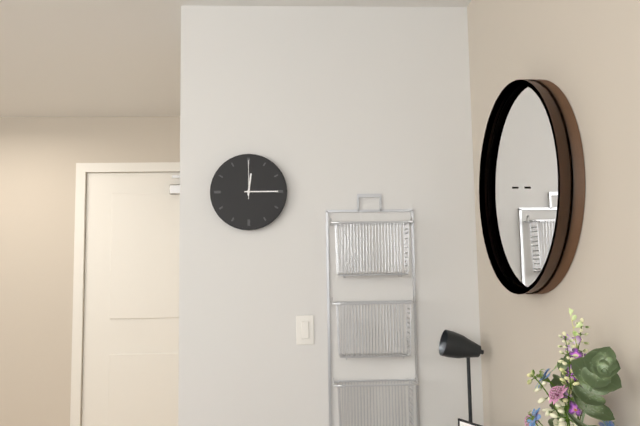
12:15
